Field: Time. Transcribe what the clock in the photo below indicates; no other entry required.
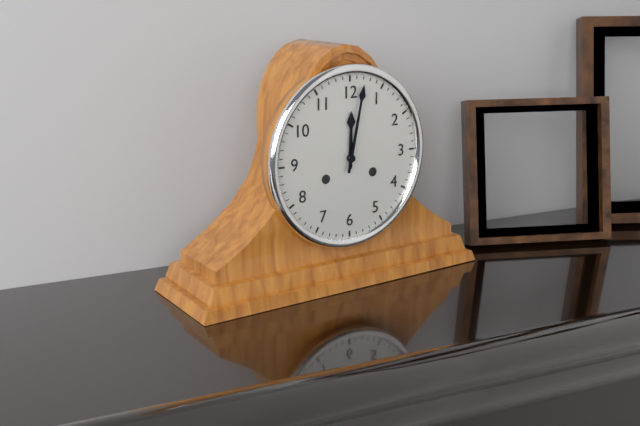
12:02
